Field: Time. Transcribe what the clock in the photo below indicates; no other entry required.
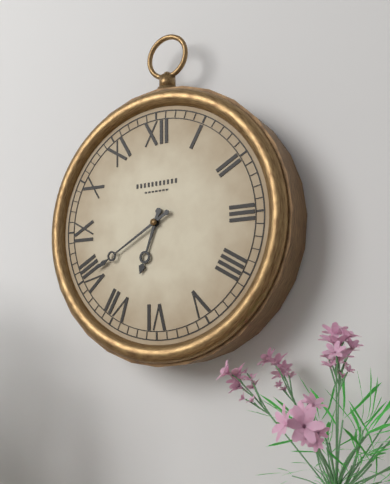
6:40
